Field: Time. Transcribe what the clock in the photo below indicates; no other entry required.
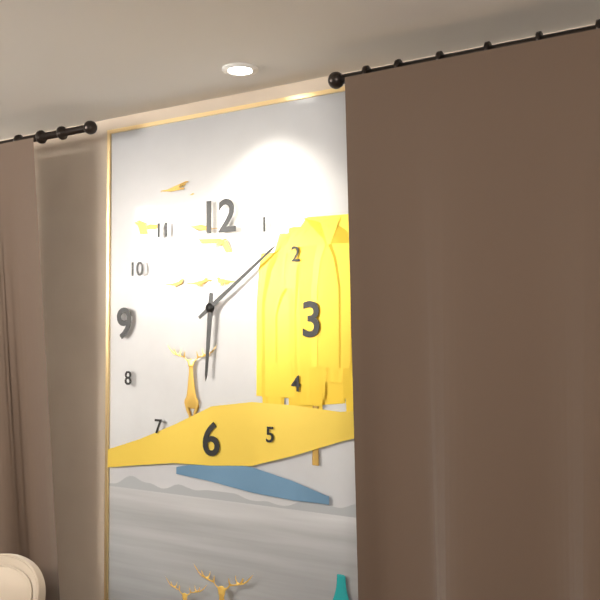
6:09
